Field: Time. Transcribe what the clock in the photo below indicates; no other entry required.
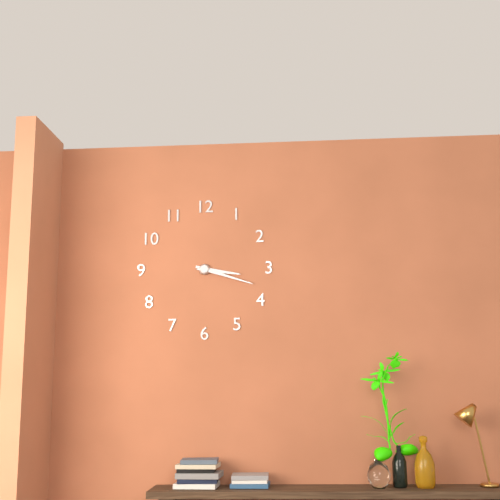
3:18
